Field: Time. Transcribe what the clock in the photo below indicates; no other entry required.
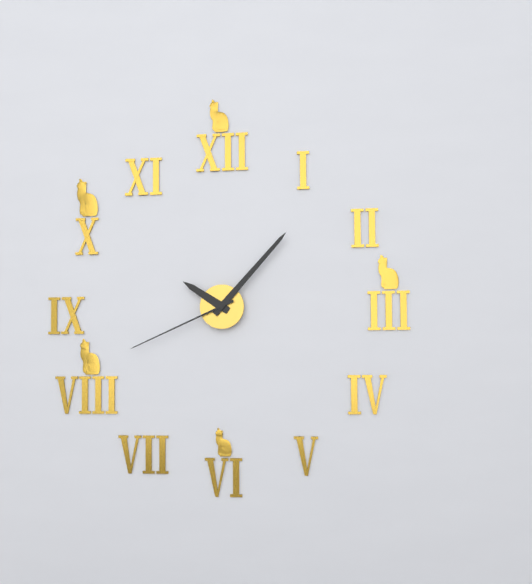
10:07:41
